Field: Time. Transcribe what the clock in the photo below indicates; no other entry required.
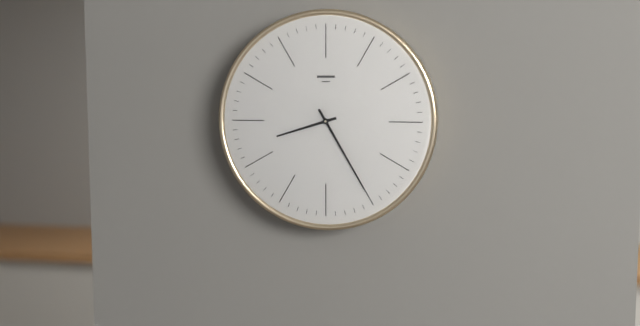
8:25
